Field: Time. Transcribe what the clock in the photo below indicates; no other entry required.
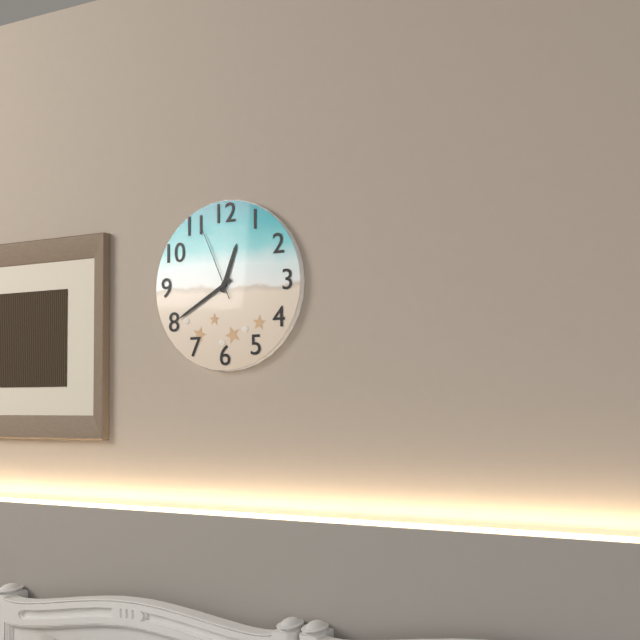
12:40:56
